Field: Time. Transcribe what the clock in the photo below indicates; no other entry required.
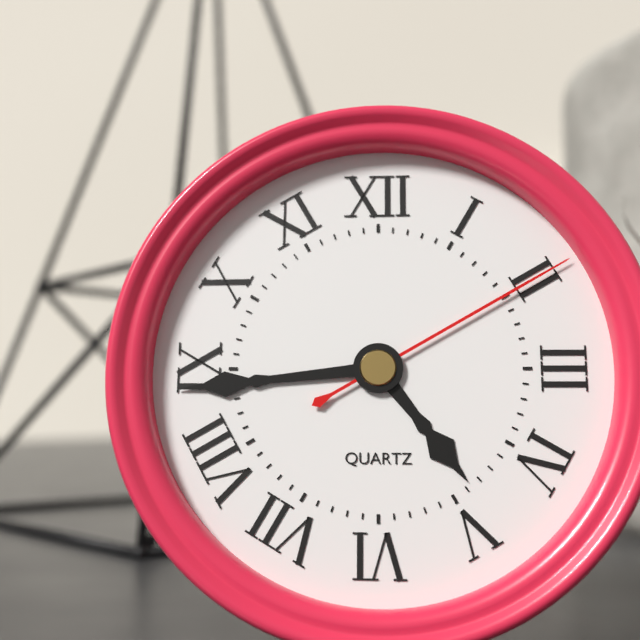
4:44:10
